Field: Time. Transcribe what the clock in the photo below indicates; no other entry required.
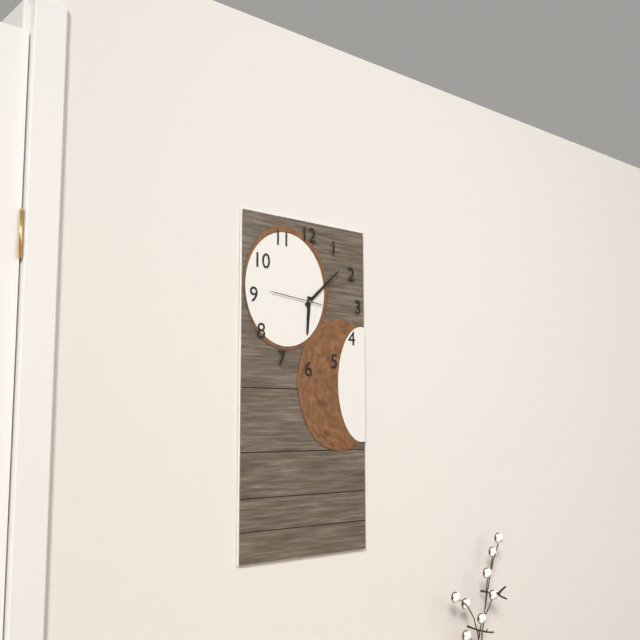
6:08:46
